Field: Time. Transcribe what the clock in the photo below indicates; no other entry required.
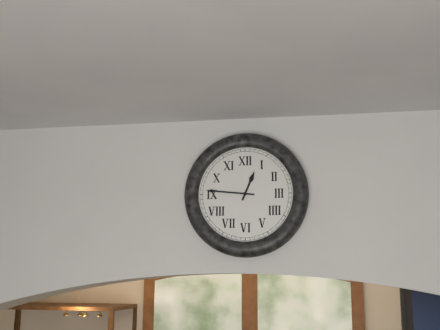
12:46
